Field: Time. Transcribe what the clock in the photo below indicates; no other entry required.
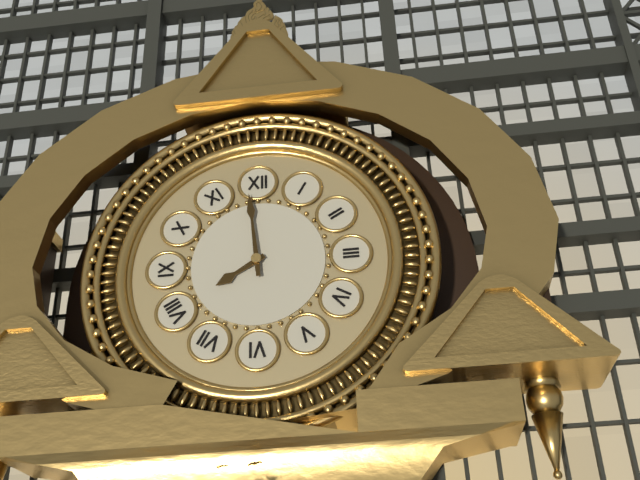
7:59
